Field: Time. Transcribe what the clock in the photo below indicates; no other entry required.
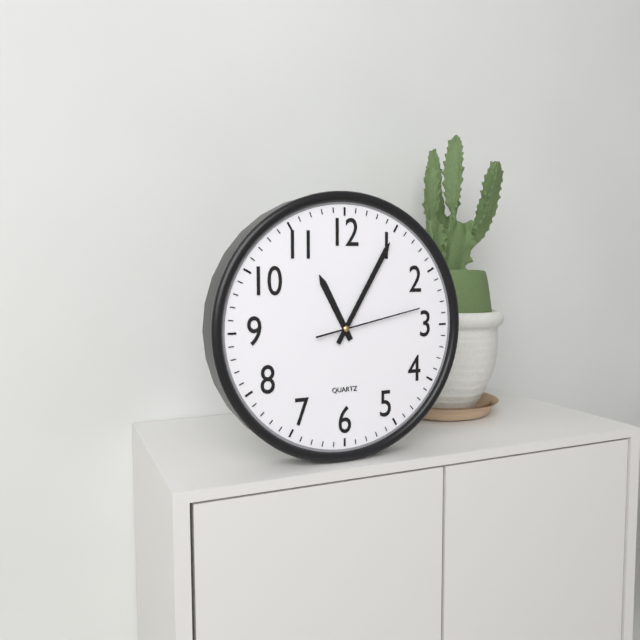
11:05:13
